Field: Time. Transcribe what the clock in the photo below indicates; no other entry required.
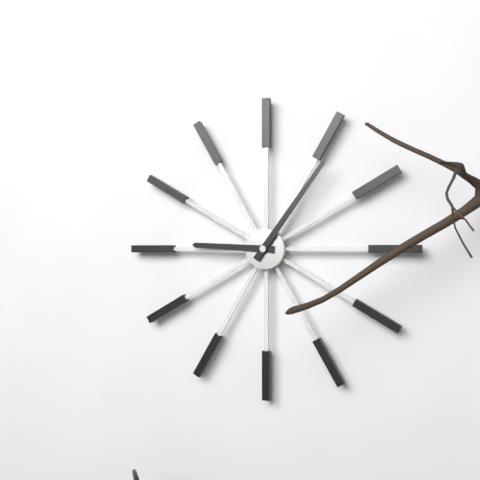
9:06
